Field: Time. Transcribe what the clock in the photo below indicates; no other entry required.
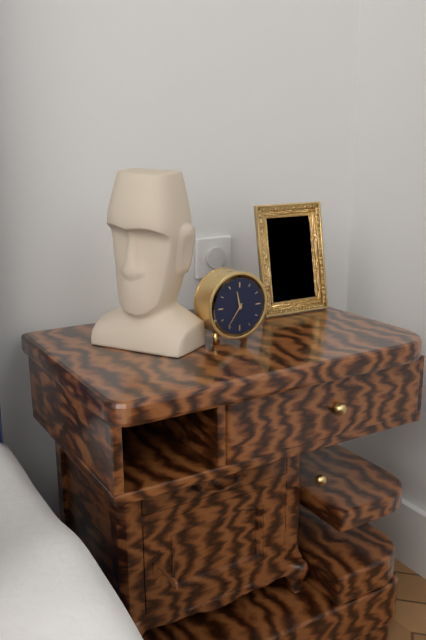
11:36
